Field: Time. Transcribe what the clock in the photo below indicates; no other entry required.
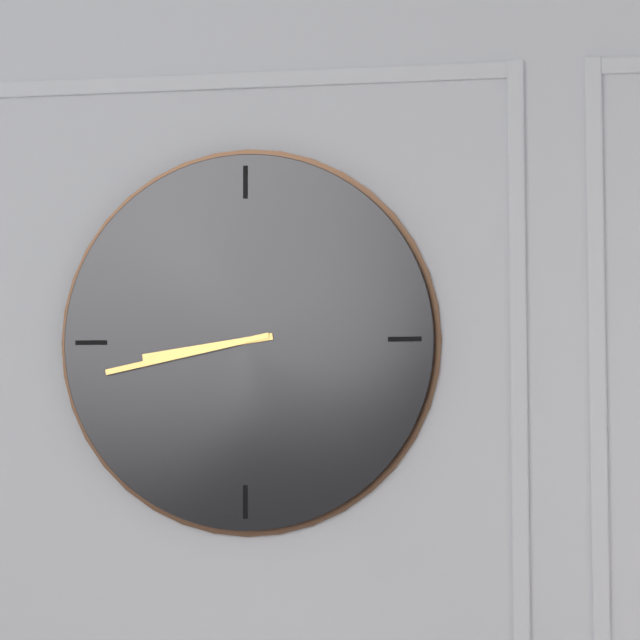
8:43
